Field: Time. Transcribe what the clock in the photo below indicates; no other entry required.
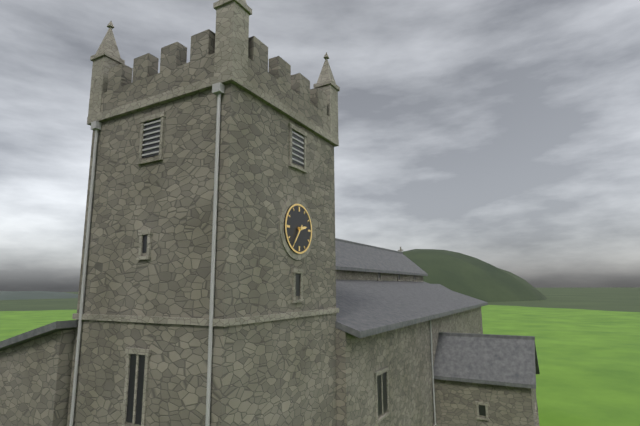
2:36
